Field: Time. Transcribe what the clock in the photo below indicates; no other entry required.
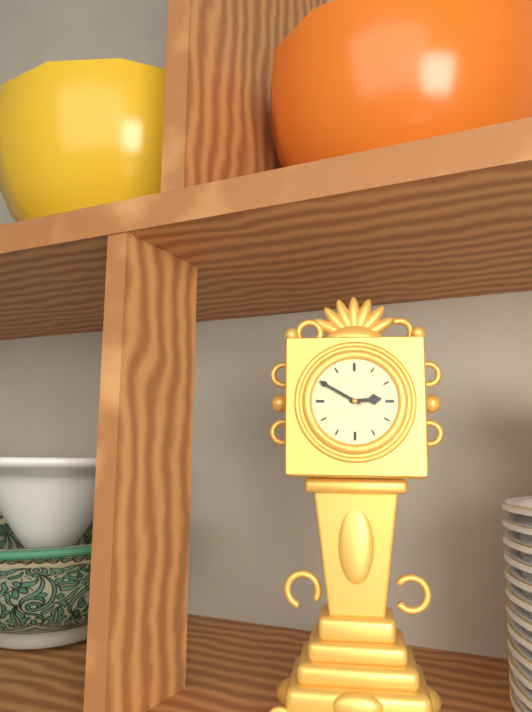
2:50
